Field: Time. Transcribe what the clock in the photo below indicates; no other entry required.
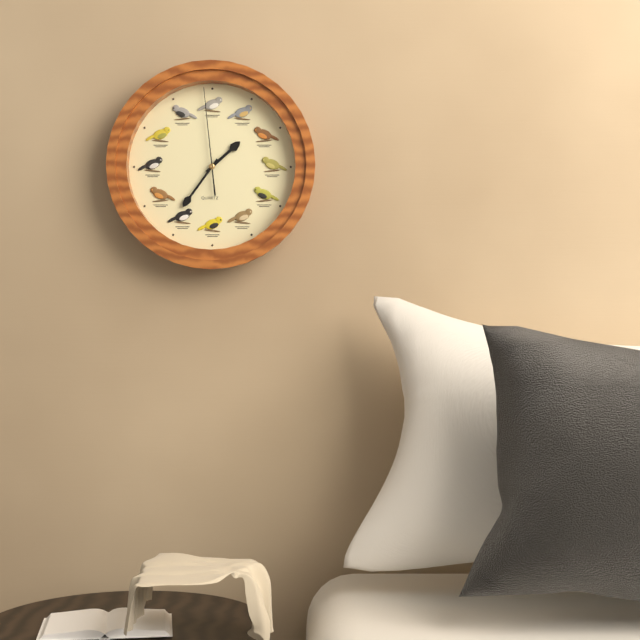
1:36:59
